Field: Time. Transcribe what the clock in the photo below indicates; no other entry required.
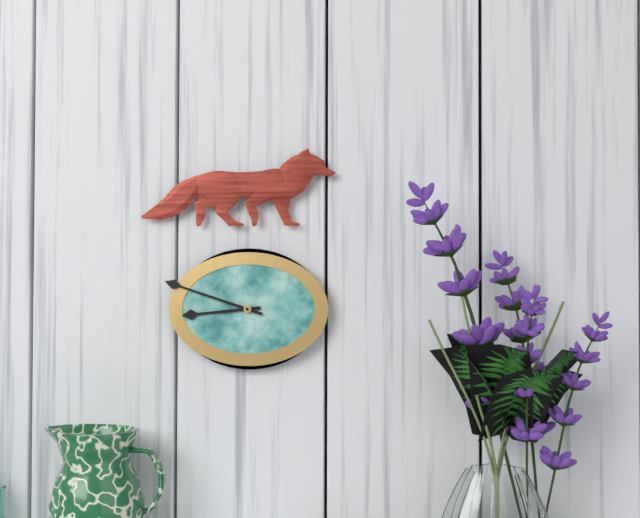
8:48
